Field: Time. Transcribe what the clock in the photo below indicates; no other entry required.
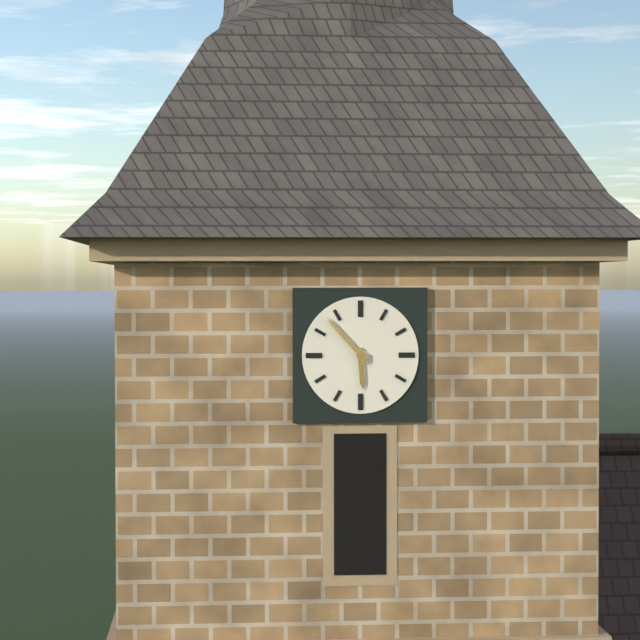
5:53
